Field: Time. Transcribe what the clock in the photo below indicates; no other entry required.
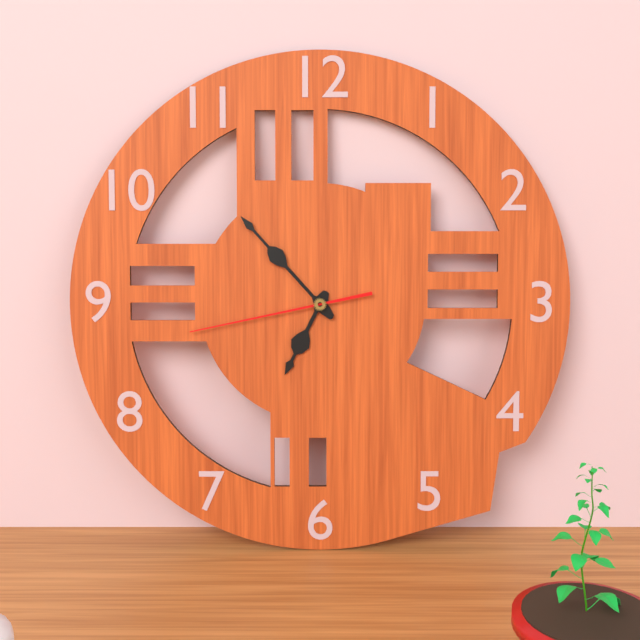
6:53:43
